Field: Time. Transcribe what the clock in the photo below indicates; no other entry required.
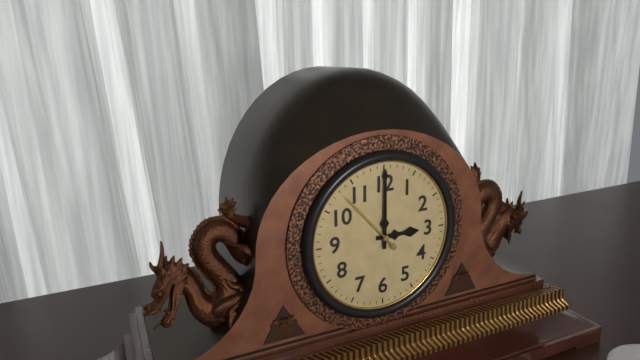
3:00
